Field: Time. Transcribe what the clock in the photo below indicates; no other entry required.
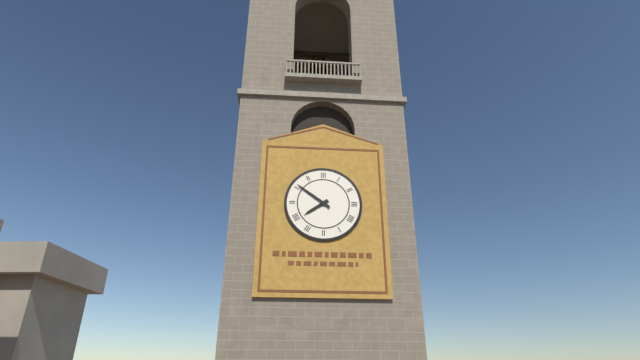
7:51
